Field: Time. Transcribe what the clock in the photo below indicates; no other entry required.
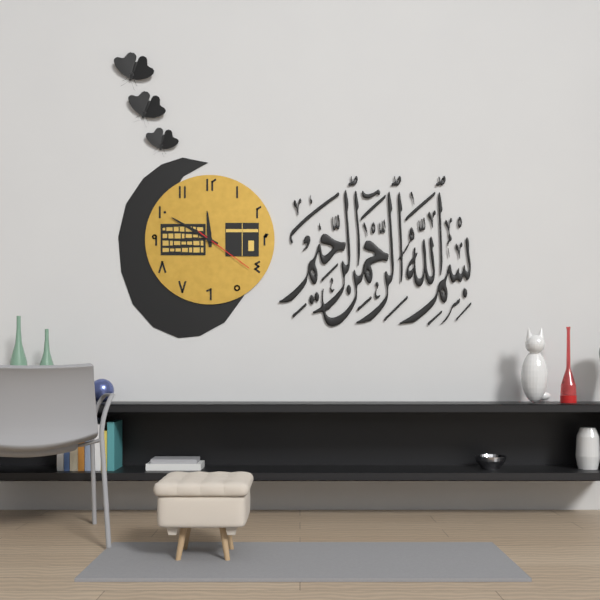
11:50:21
